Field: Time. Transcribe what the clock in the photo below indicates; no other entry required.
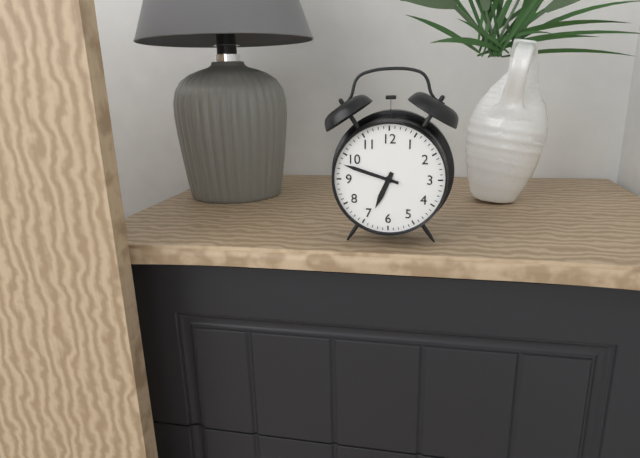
6:48
